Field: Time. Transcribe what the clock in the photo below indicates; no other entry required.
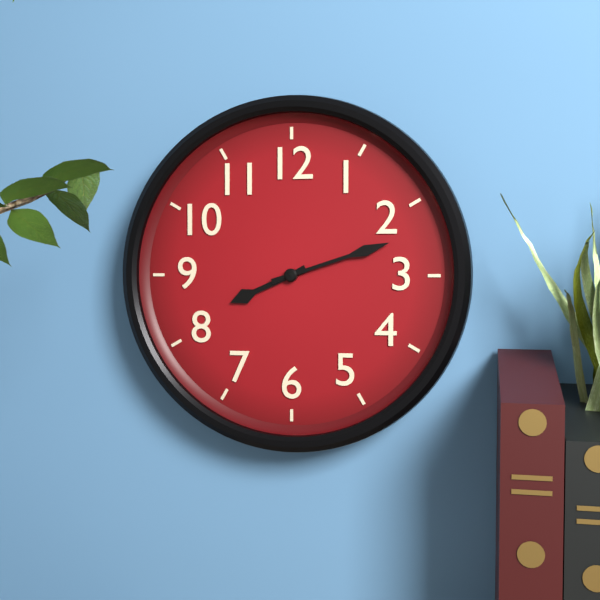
8:12
